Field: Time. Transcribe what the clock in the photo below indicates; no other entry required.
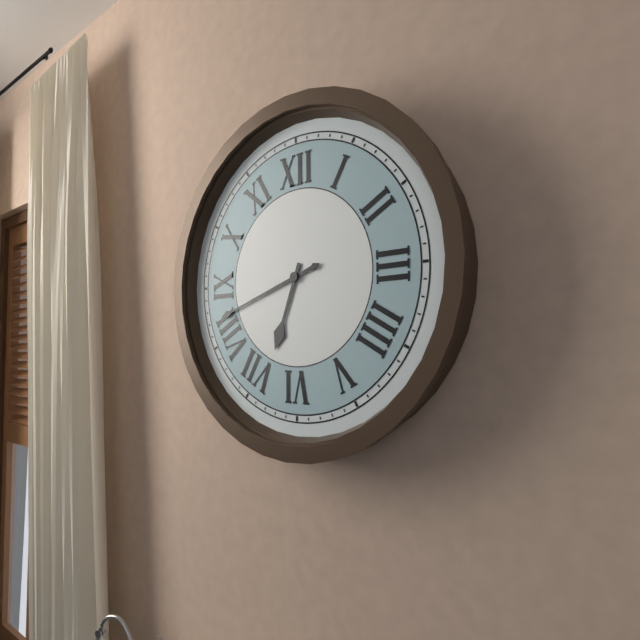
6:42
